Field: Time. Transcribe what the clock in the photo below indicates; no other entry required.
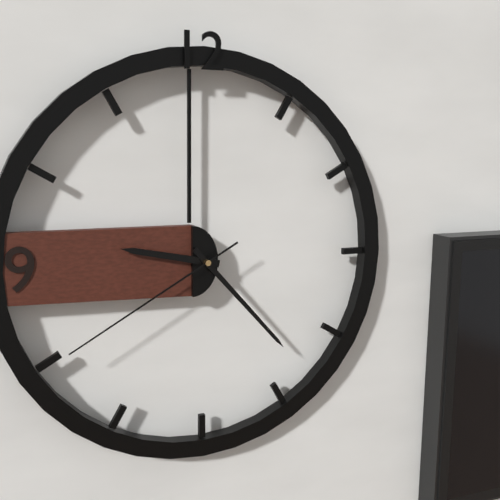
9:23:40
